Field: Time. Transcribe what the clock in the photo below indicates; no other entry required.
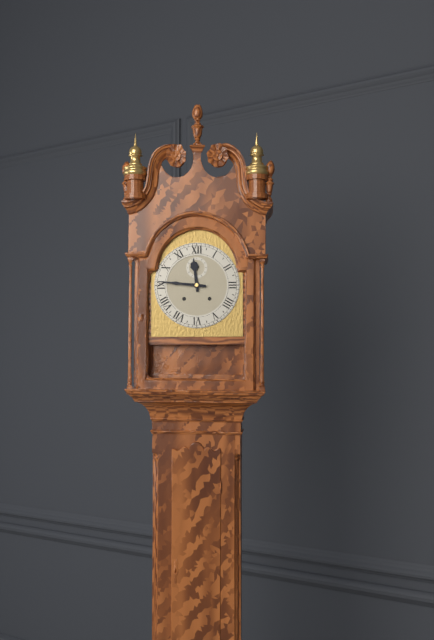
11:46
